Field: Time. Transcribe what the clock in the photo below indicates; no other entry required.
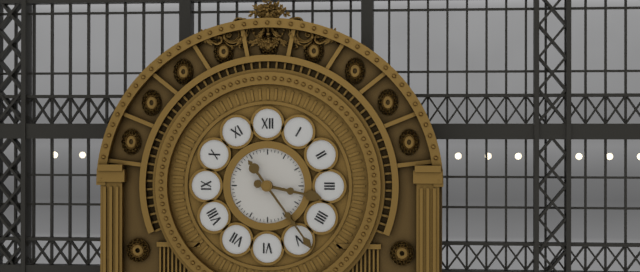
3:24
